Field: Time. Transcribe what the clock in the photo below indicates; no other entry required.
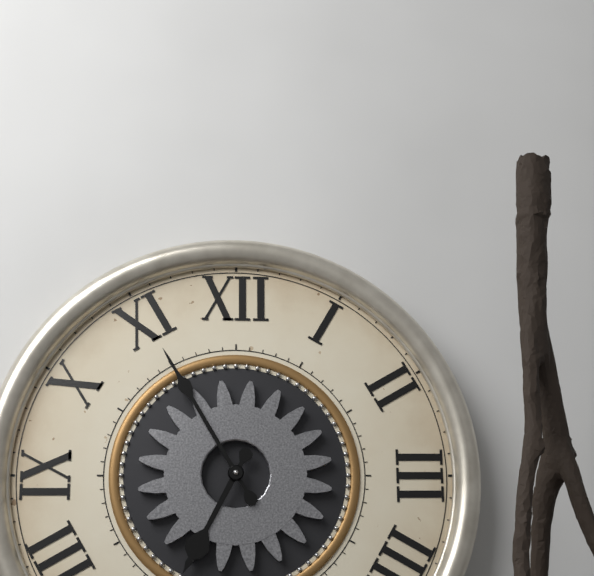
6:55
